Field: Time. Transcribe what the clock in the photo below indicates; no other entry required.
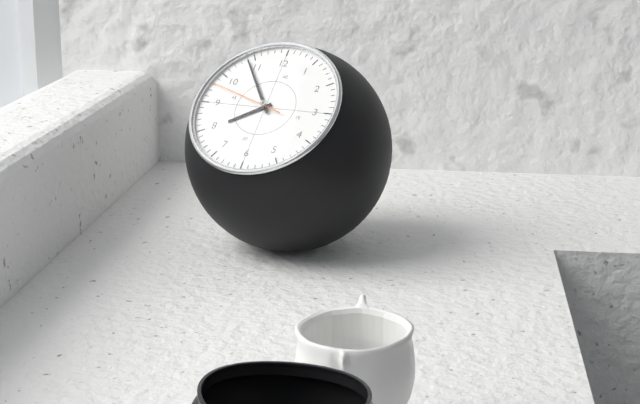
7:54:48
